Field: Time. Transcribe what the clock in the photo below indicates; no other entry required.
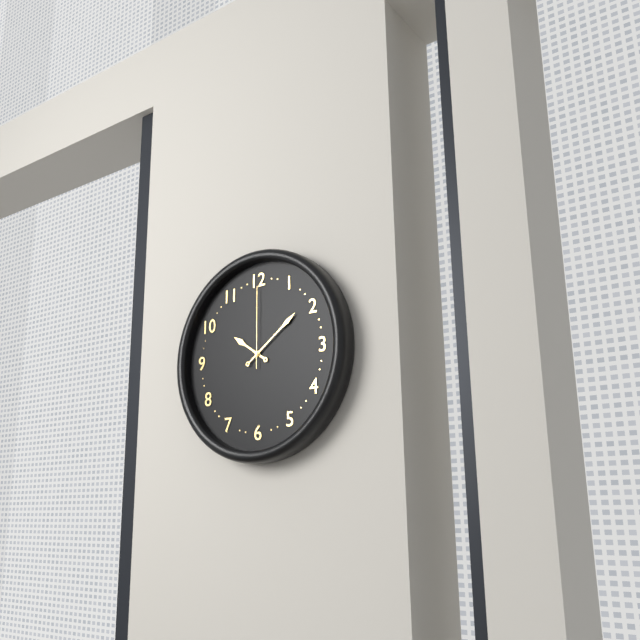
10:09:00
